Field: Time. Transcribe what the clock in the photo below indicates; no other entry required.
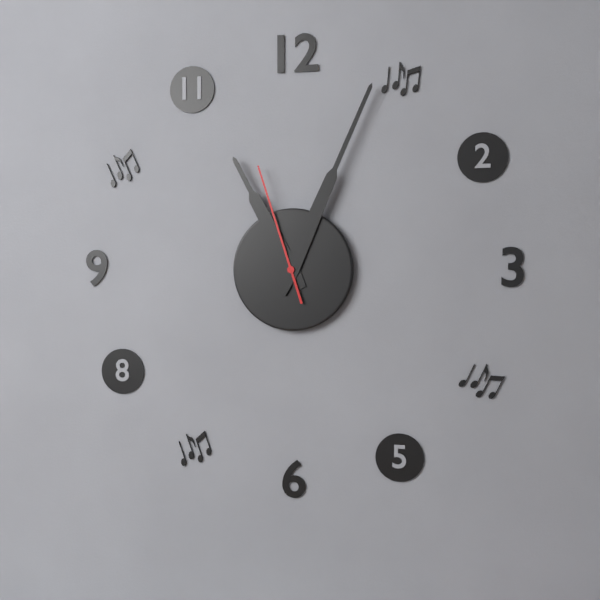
11:04:57
